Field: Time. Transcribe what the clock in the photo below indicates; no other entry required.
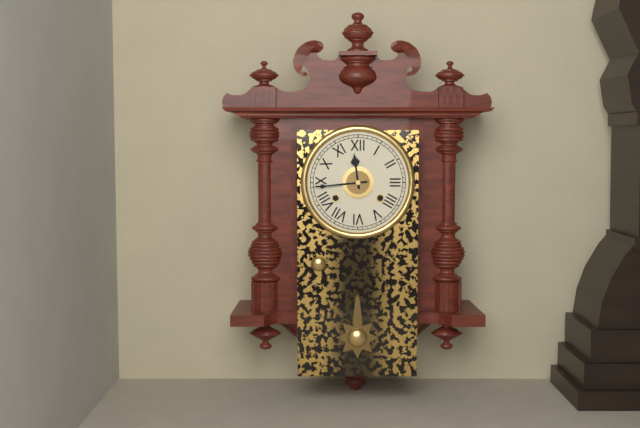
11:44
